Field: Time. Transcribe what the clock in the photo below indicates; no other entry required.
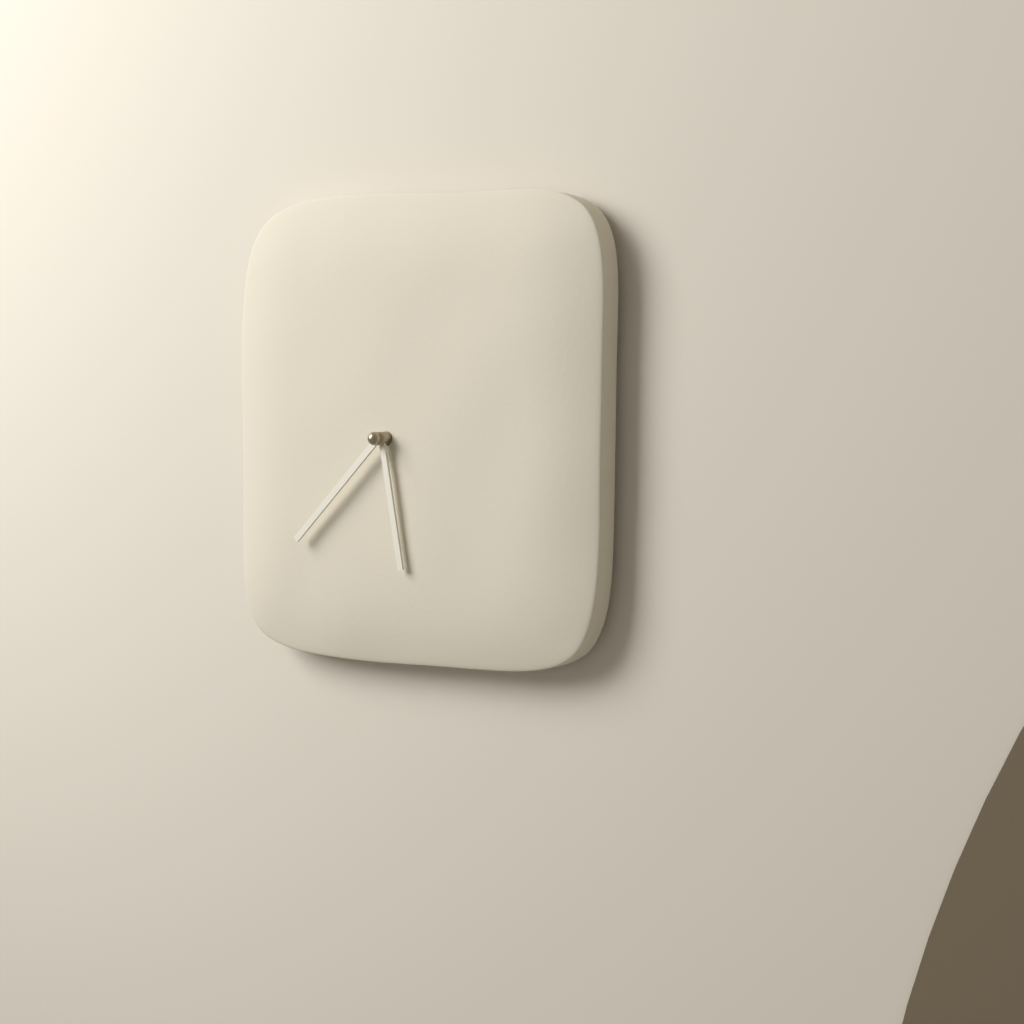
5:38
